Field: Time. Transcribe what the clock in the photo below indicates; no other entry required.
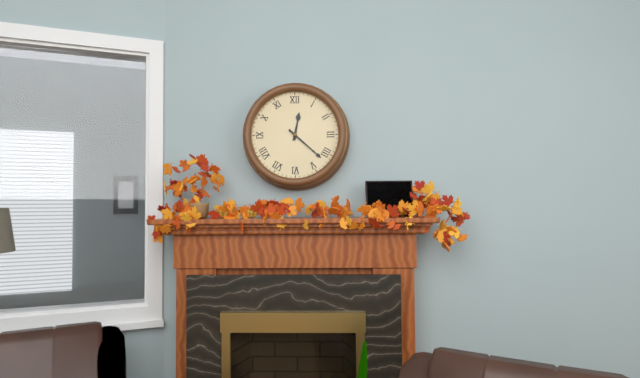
12:22
